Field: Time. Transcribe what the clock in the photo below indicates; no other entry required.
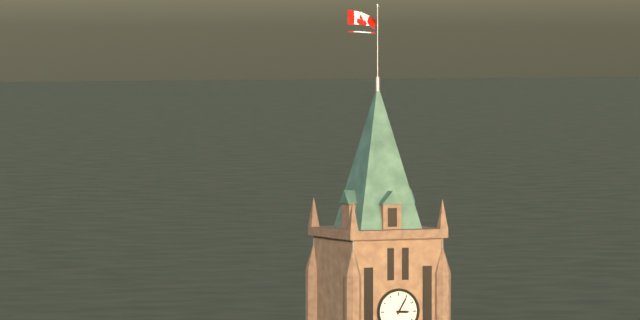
3:05
